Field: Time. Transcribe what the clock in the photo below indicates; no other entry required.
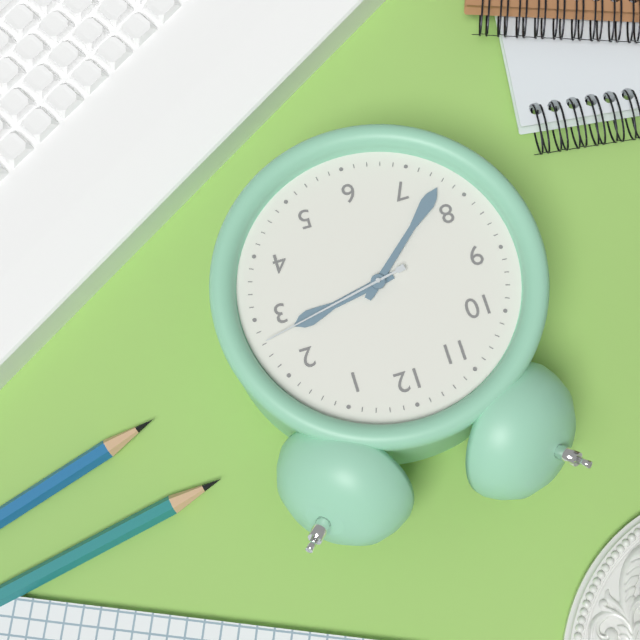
2:38:13
